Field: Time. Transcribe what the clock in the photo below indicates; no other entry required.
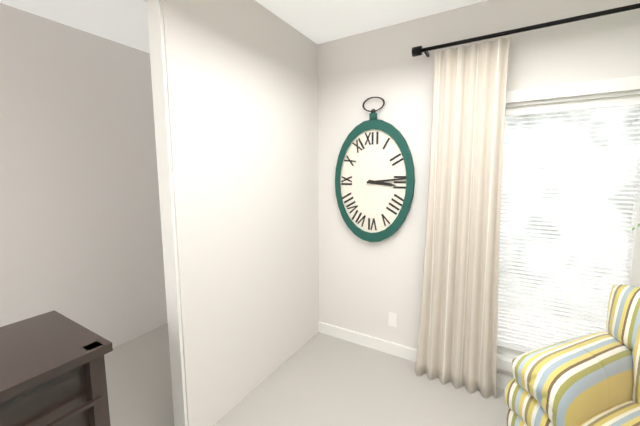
3:14
